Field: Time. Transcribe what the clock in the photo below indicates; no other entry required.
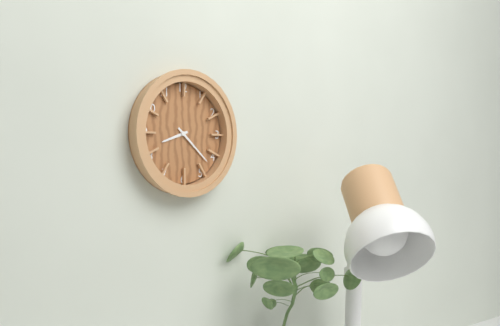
8:22
